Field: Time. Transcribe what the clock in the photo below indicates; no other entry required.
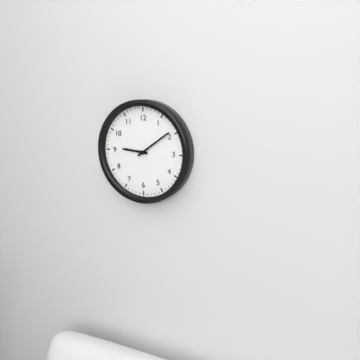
9:09
